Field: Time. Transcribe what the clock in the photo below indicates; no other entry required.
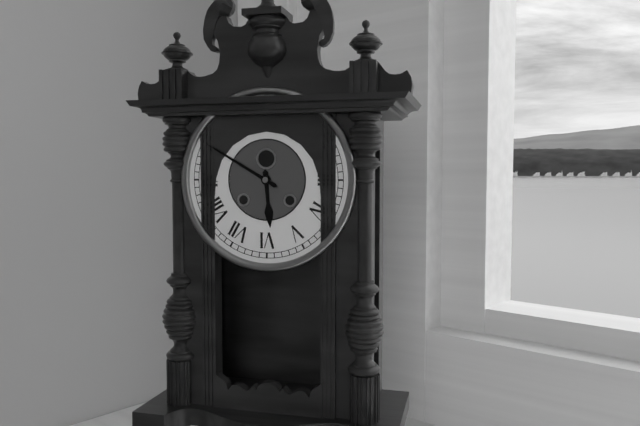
5:50
